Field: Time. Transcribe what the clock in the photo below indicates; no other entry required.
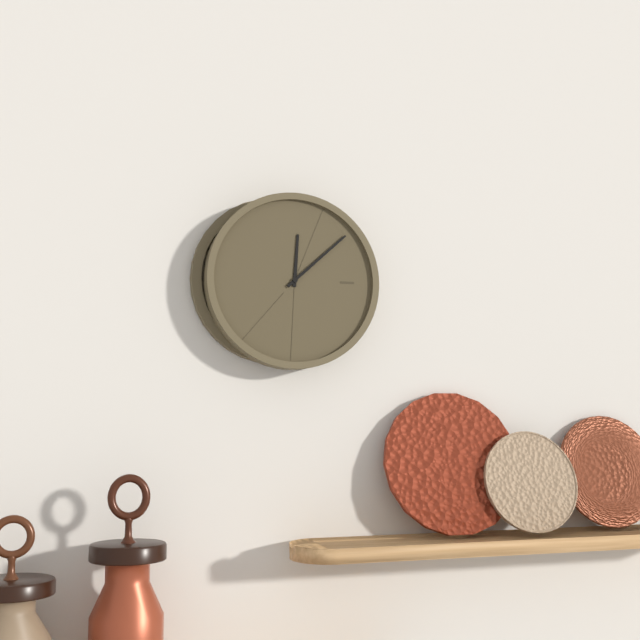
12:08
